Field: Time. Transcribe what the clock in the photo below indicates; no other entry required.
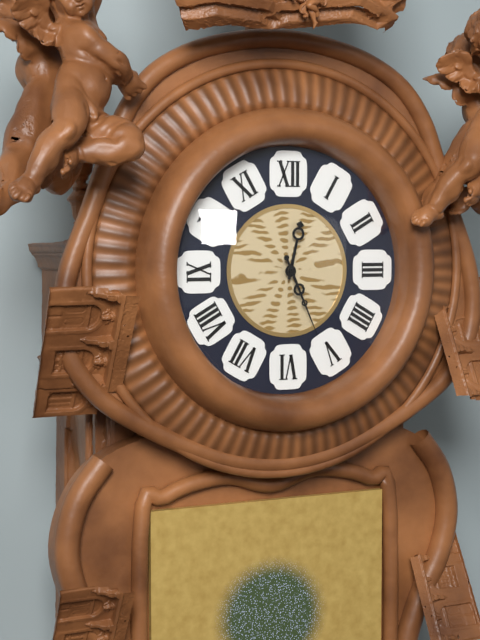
12:26
